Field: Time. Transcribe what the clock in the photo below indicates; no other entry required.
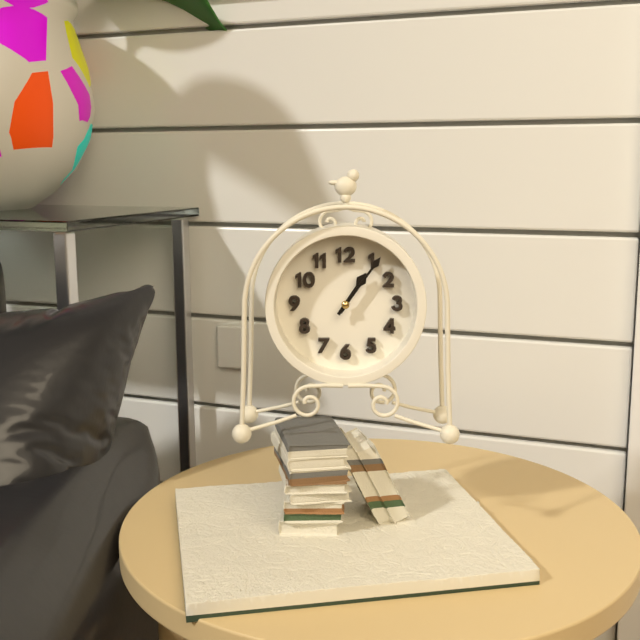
1:06
